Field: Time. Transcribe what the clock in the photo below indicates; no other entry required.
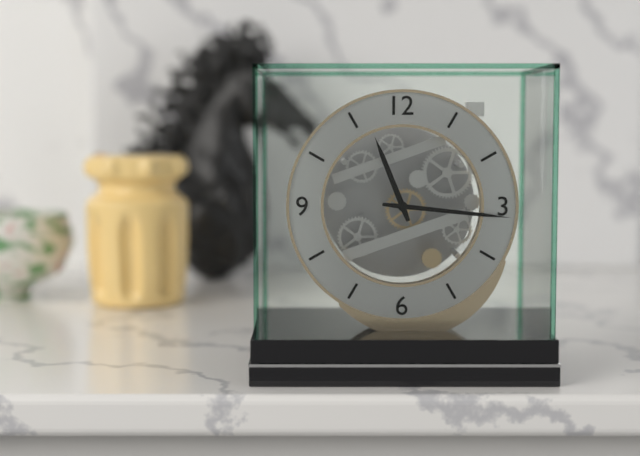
11:16
